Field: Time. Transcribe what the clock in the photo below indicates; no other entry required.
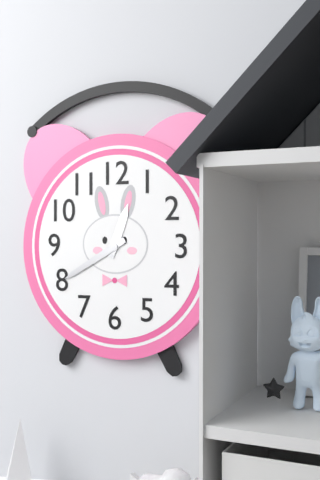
12:40
